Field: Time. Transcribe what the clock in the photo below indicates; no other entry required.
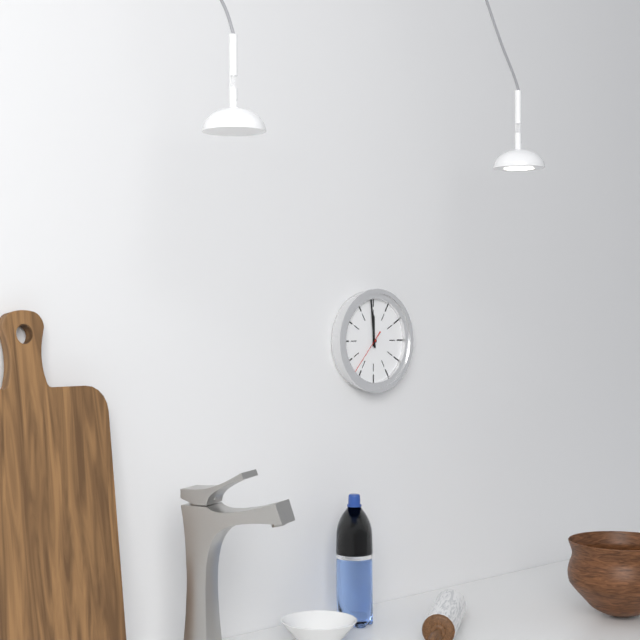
11:59
